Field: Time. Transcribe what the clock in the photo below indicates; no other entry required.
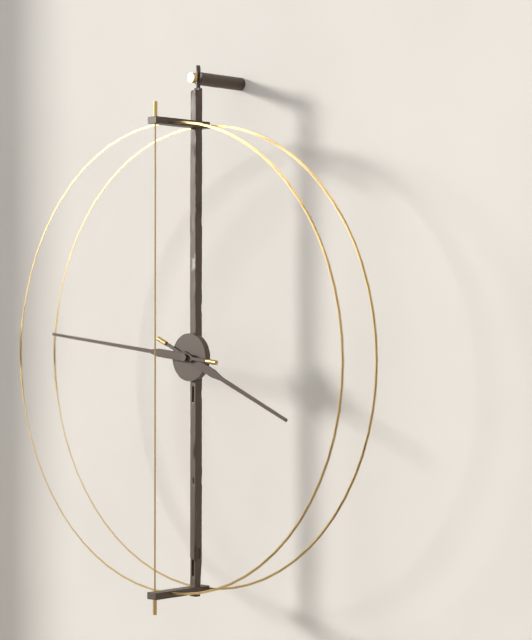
3:46
